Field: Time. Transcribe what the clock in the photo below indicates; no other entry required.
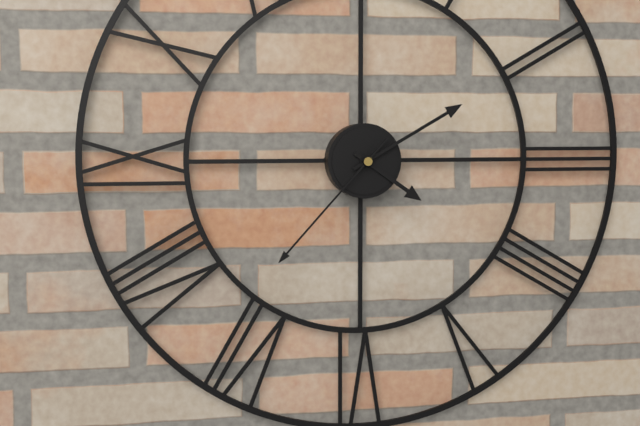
4:10:37
